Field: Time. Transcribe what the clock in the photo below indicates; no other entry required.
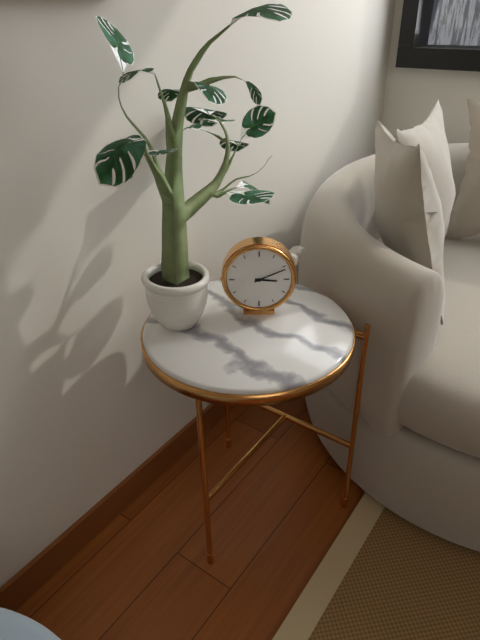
3:11
